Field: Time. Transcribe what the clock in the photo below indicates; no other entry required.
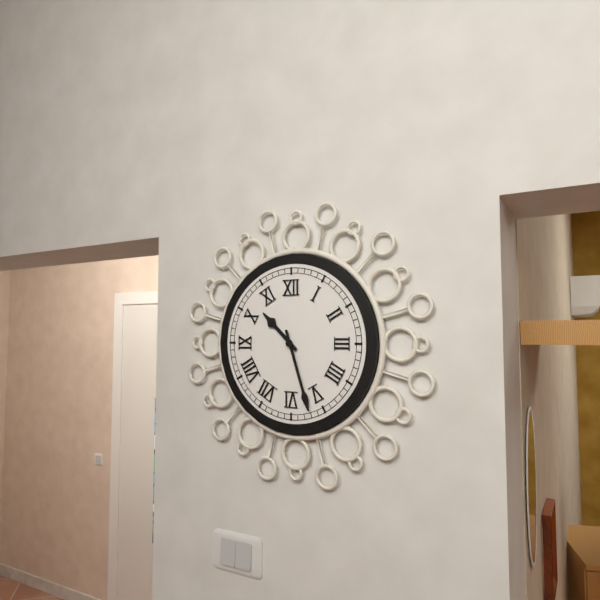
10:27
